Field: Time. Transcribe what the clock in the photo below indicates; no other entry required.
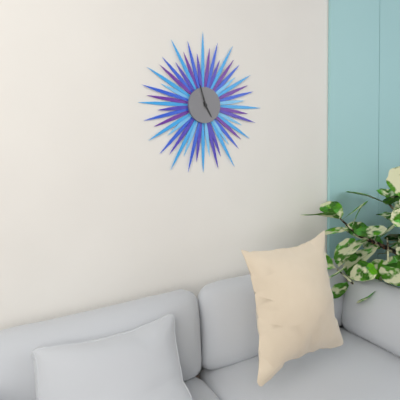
4:57
